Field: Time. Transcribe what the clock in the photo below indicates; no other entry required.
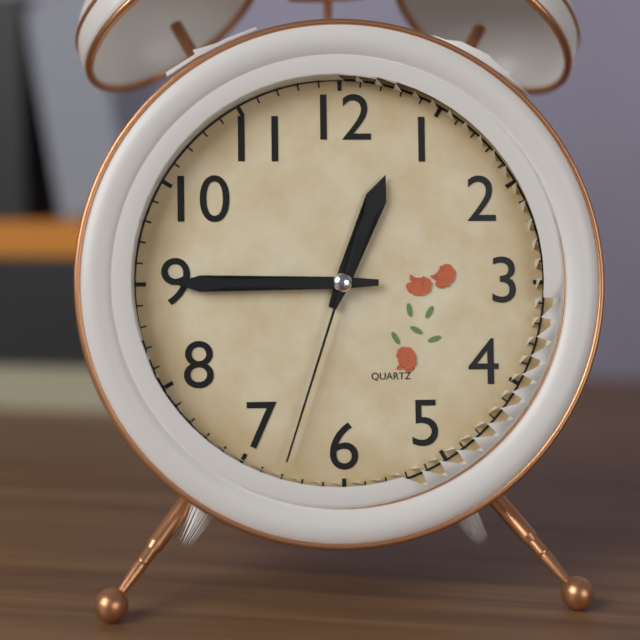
12:45:33
